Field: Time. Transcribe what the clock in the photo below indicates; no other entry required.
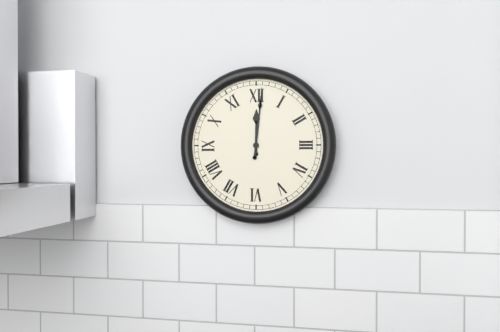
12:01
